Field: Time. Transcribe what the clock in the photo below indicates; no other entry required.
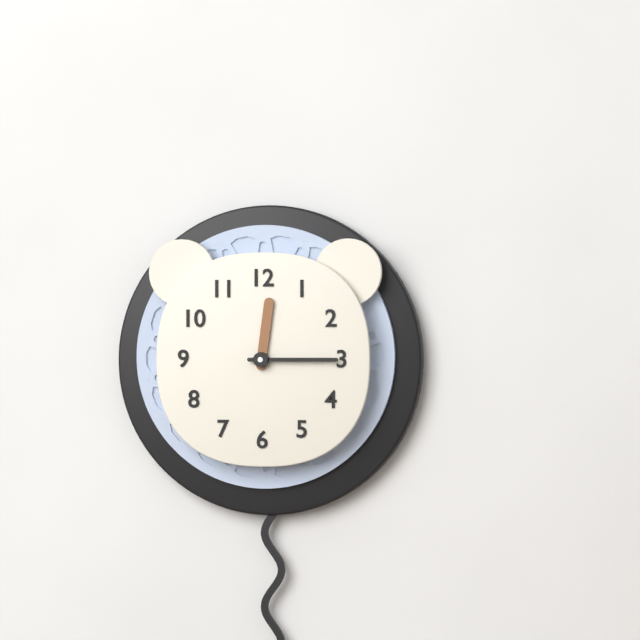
12:15
